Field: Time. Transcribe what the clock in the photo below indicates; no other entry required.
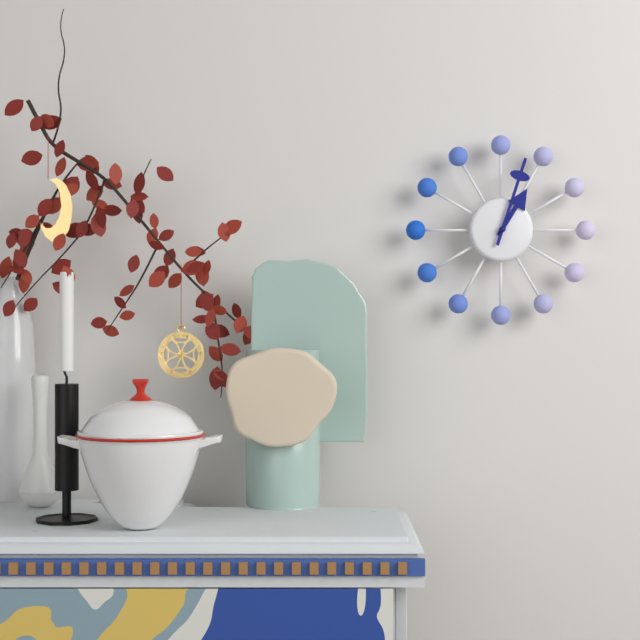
1:03
